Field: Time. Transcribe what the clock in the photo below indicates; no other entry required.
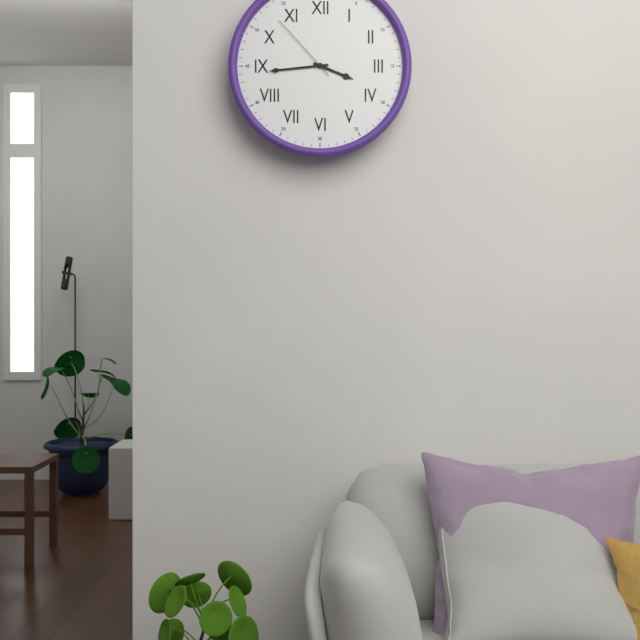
3:44:53
